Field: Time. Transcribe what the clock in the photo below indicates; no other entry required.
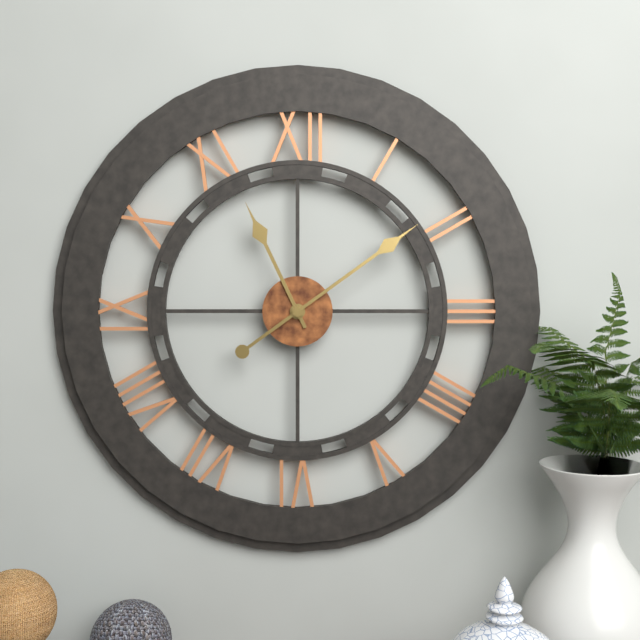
11:09
